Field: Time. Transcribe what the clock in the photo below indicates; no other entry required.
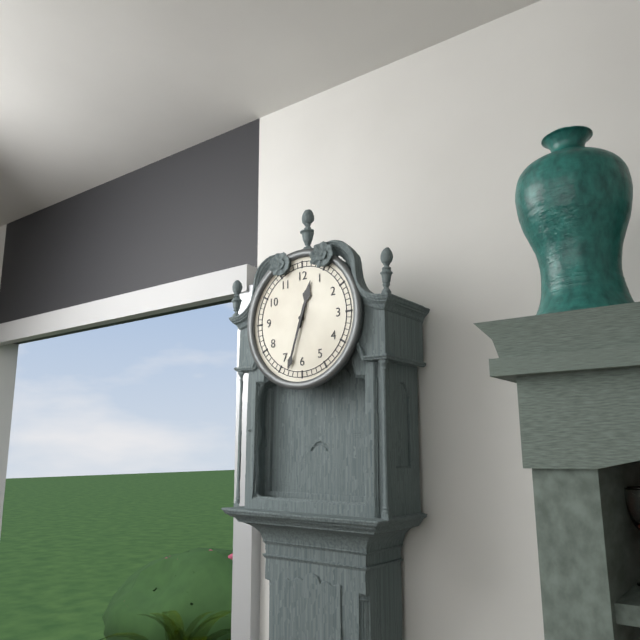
12:33
